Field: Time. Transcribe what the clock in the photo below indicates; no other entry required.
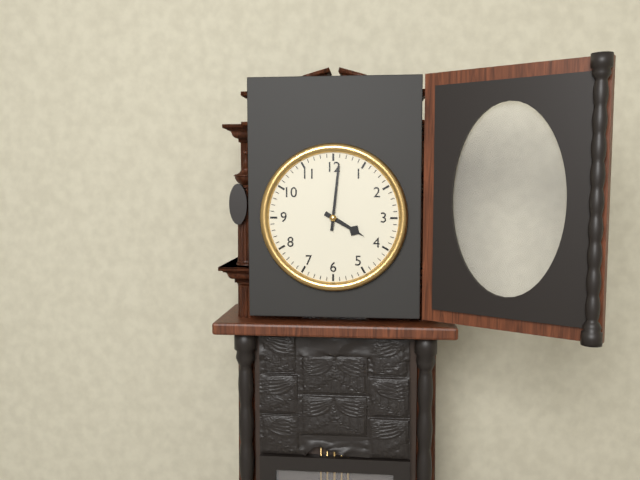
4:01
